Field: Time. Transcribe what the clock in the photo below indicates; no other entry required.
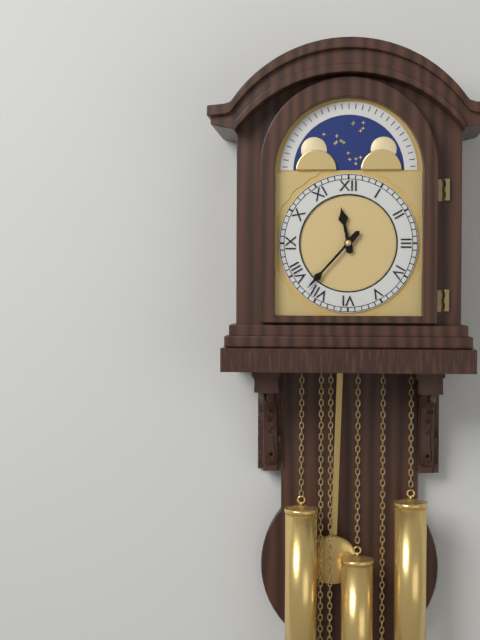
11:37
